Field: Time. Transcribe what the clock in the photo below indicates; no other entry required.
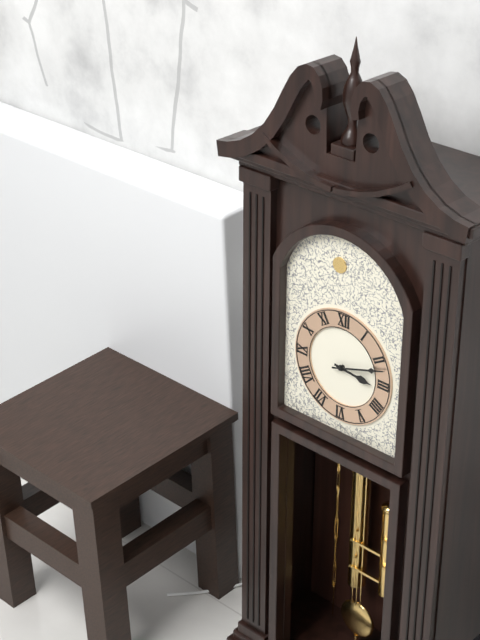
3:12
